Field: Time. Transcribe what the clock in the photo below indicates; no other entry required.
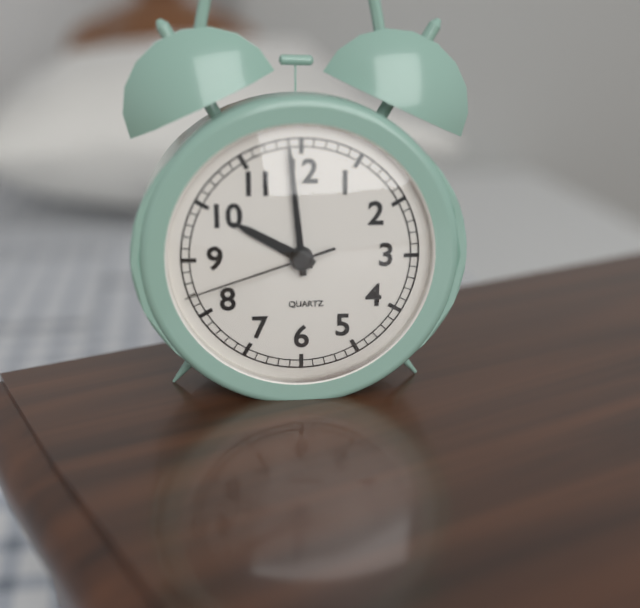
9:59:42
